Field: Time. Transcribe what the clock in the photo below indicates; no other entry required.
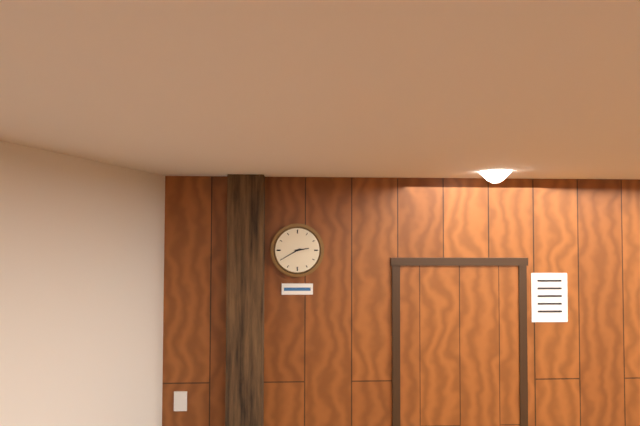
2:40
